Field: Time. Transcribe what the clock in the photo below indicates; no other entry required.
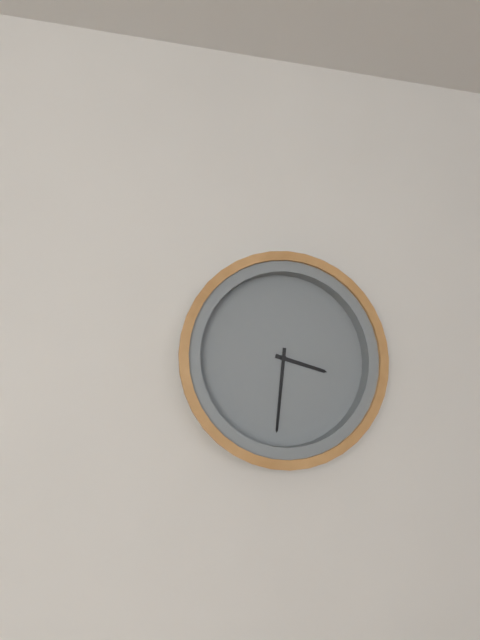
3:31
